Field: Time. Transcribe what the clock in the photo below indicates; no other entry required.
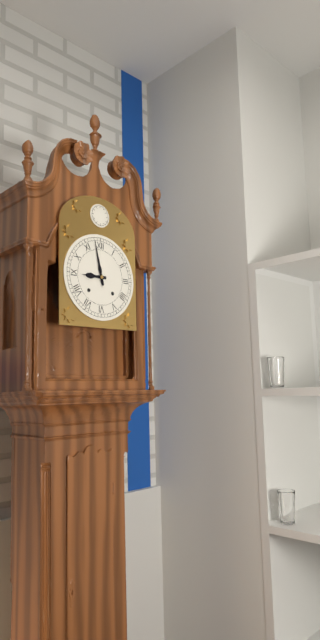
8:58
